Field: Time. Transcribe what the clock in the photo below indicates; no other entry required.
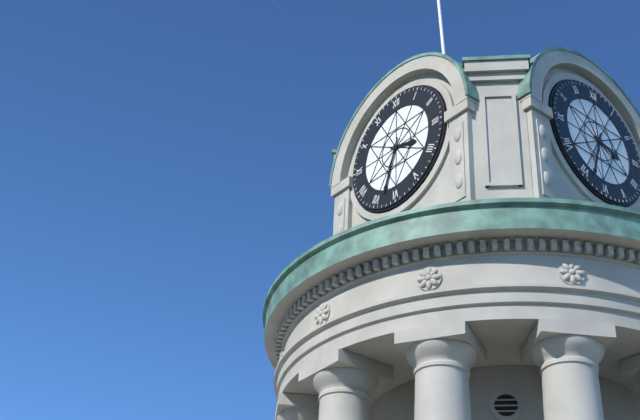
3:33
